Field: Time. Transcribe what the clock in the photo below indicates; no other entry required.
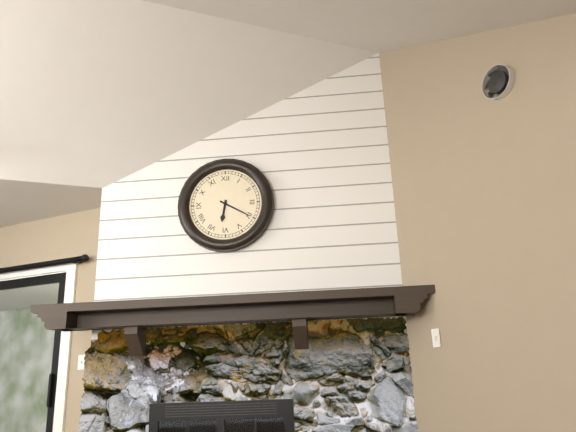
6:20
